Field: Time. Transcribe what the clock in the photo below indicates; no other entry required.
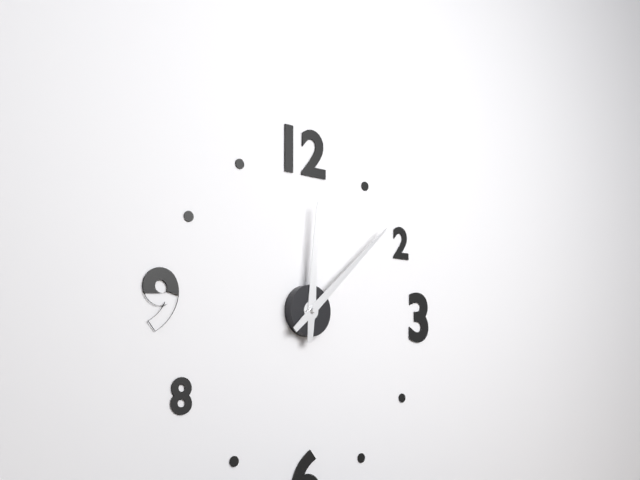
12:08
